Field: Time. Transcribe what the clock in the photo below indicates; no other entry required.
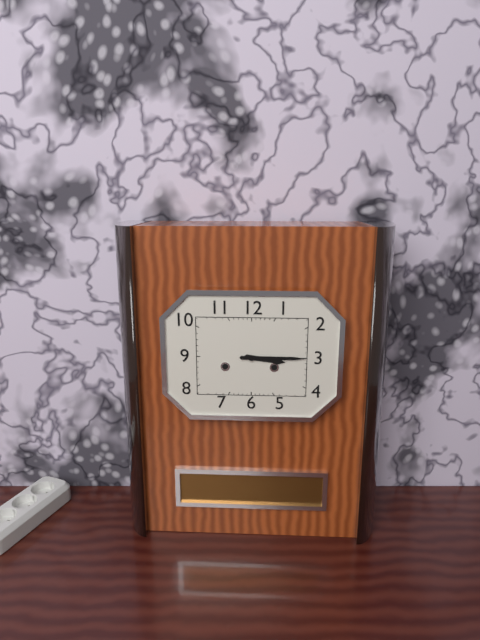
3:15
